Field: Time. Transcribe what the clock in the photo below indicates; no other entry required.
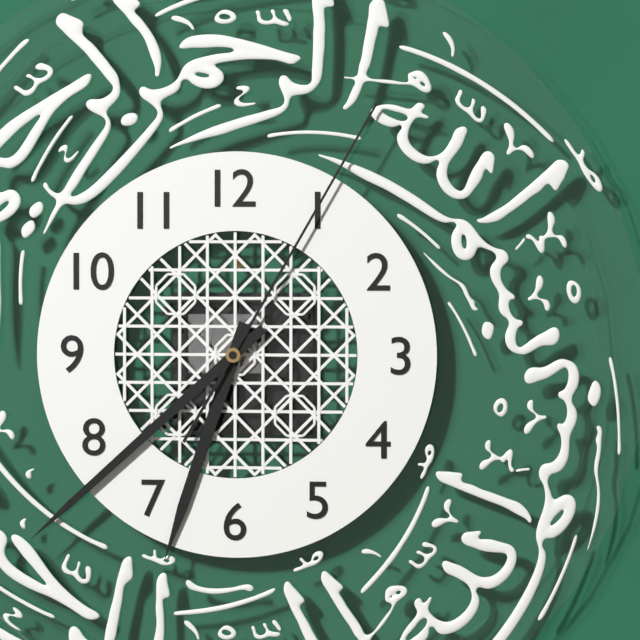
6:38:05
